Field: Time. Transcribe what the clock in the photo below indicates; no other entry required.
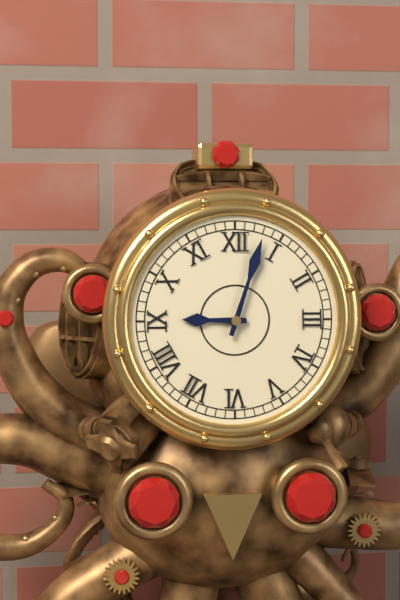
9:03
